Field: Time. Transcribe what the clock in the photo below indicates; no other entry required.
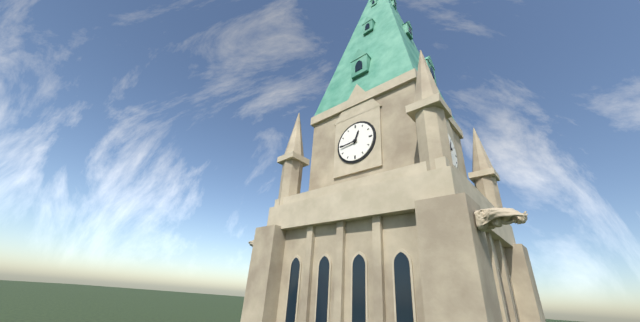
12:44
